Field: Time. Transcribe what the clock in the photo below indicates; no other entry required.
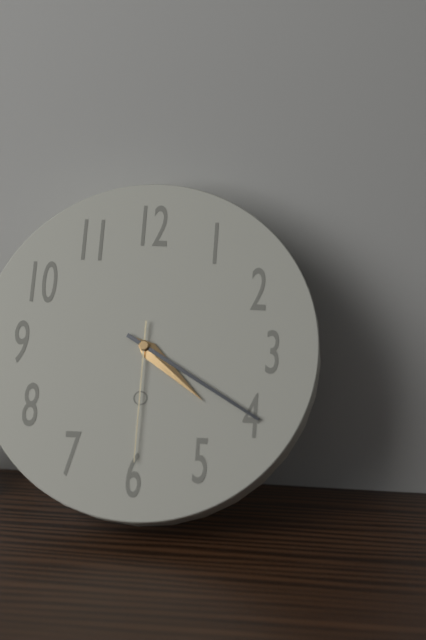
4:20:30
